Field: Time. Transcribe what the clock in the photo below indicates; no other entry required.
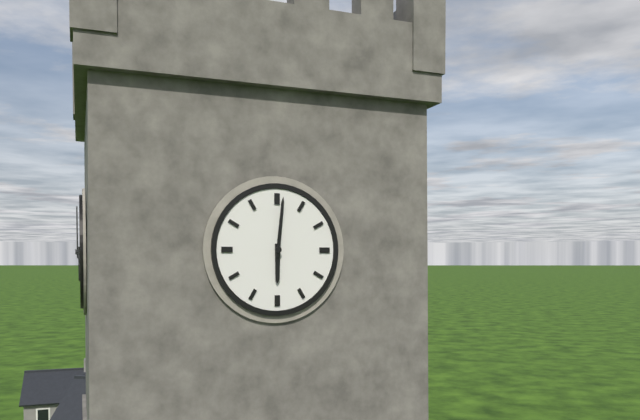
6:01
